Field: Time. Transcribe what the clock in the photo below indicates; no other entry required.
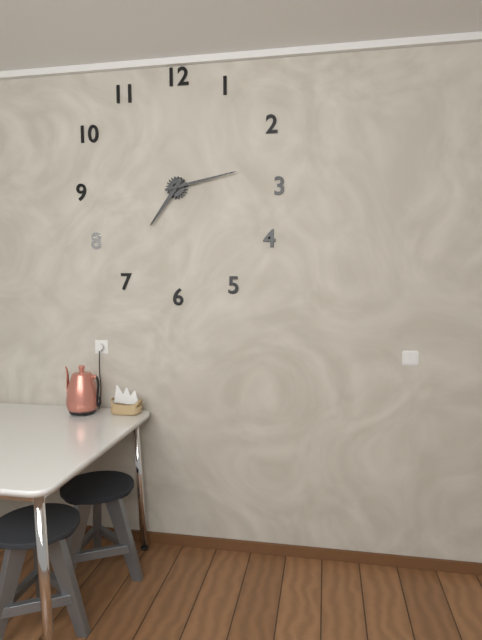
7:13
